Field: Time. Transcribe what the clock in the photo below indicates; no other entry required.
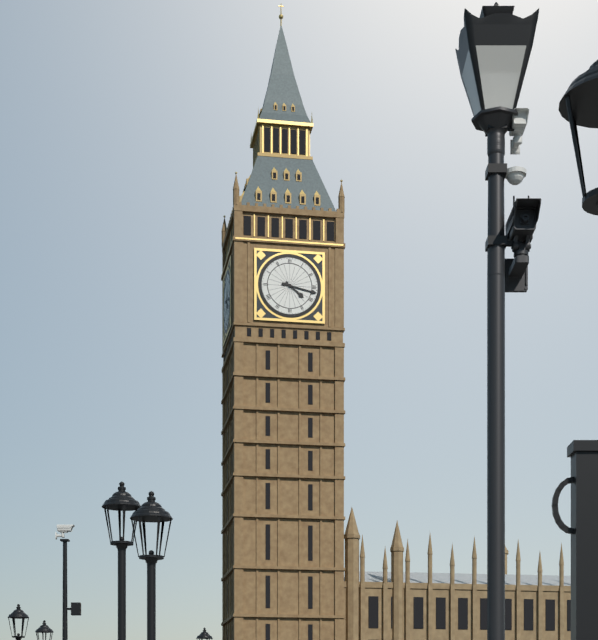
4:17
